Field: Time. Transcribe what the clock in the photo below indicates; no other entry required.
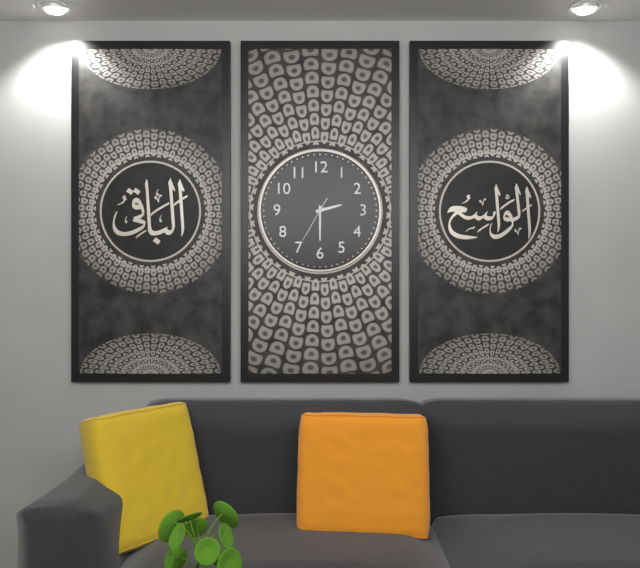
2:30
